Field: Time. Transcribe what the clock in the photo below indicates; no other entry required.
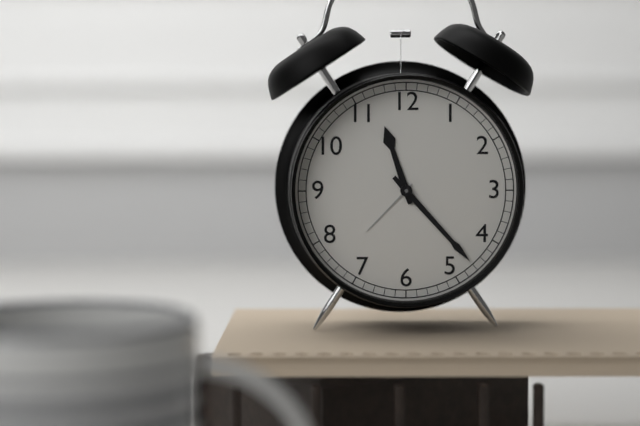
11:23
